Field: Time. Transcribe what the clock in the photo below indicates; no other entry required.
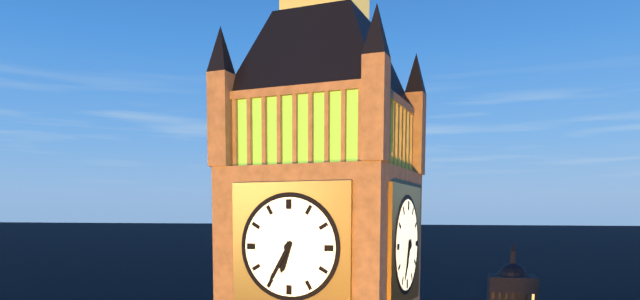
6:35
